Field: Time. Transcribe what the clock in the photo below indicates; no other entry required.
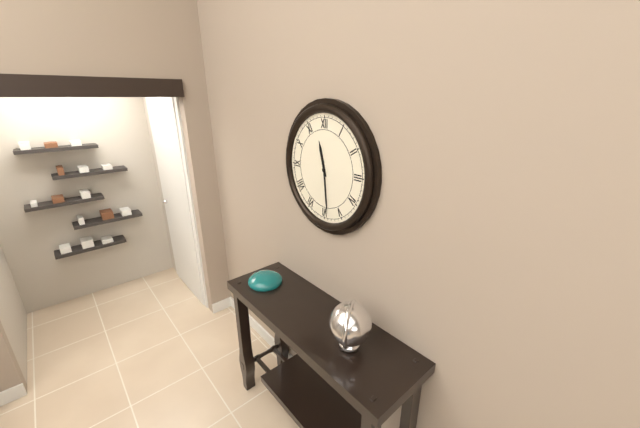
11:29
